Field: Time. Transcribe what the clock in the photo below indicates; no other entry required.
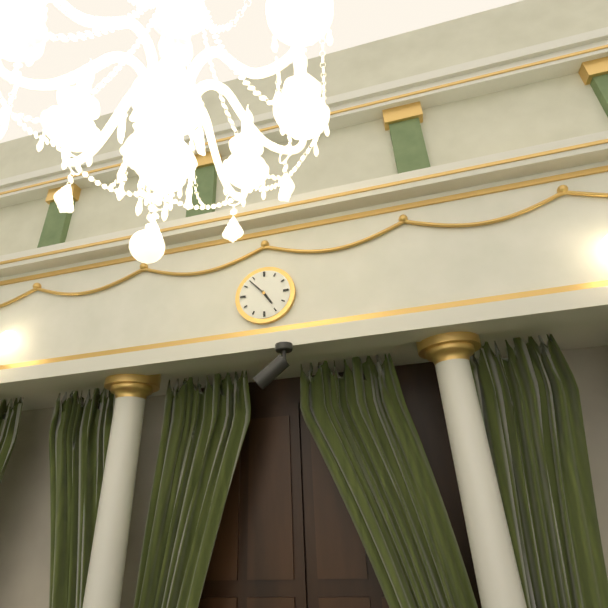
4:53
